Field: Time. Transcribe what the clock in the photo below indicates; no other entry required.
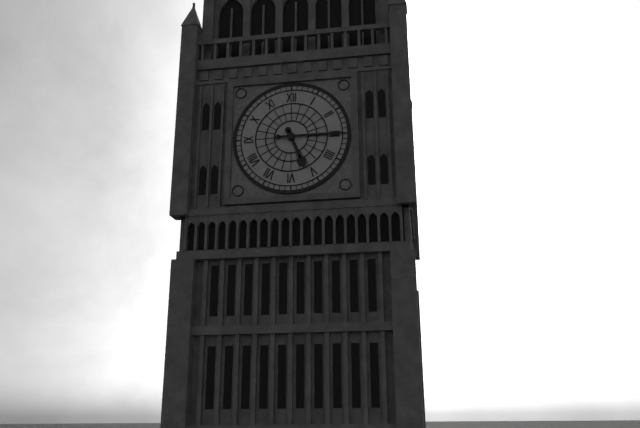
5:15
